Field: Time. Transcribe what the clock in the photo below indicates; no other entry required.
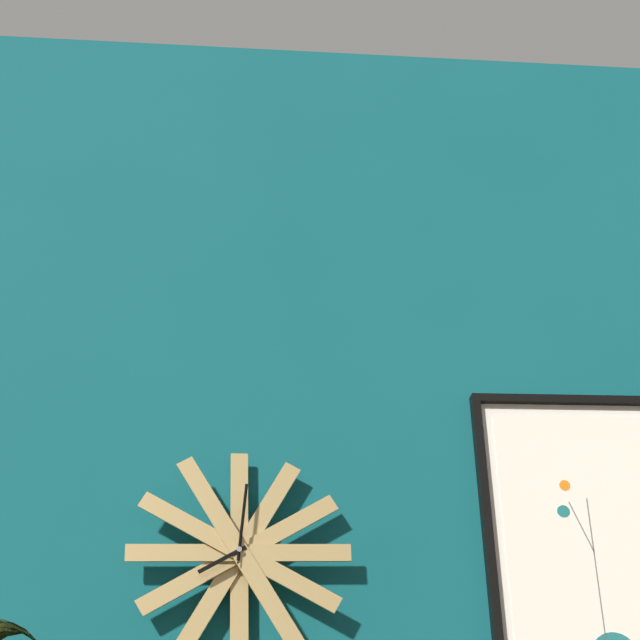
8:01:01
